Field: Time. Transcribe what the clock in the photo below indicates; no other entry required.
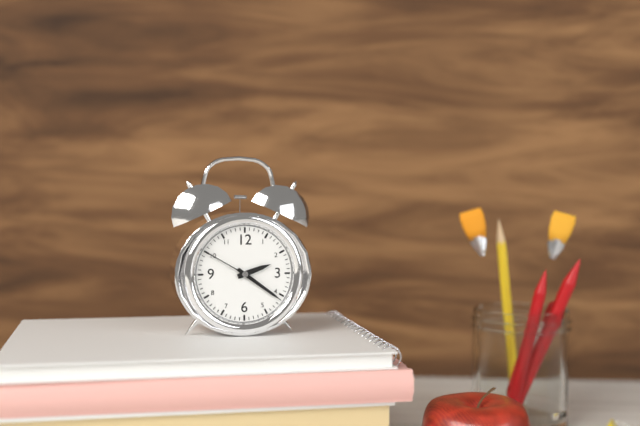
2:21:50
